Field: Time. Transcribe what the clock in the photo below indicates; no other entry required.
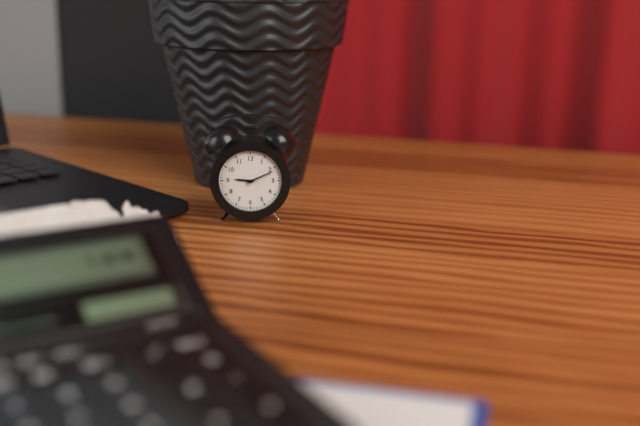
9:11
